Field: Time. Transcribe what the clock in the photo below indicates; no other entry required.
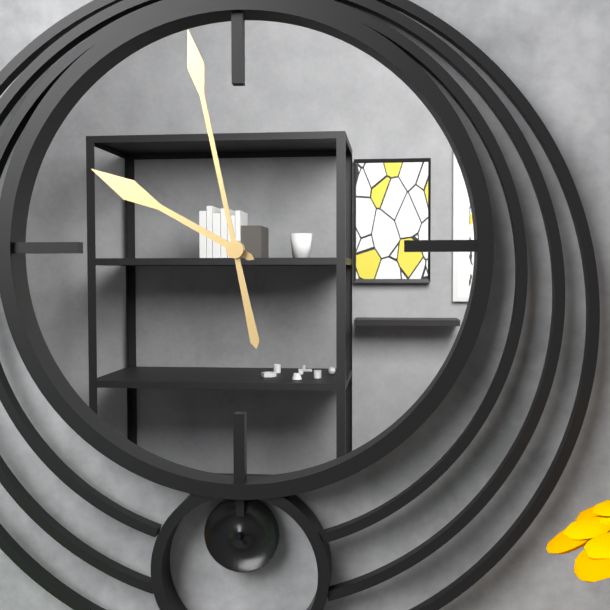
9:58
